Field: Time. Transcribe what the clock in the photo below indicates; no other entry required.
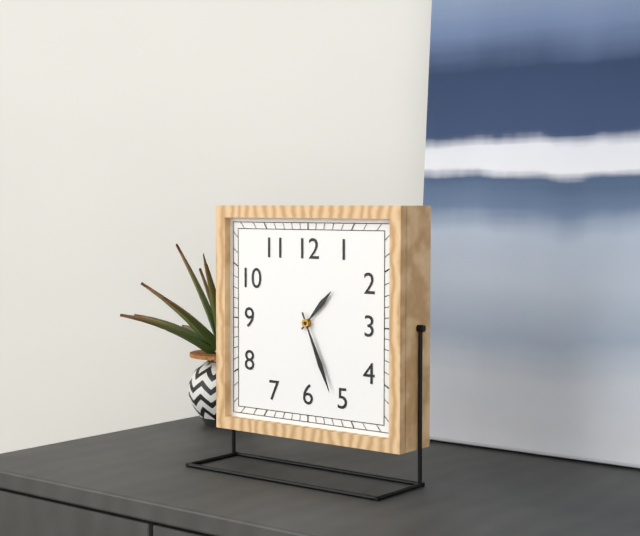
1:26
